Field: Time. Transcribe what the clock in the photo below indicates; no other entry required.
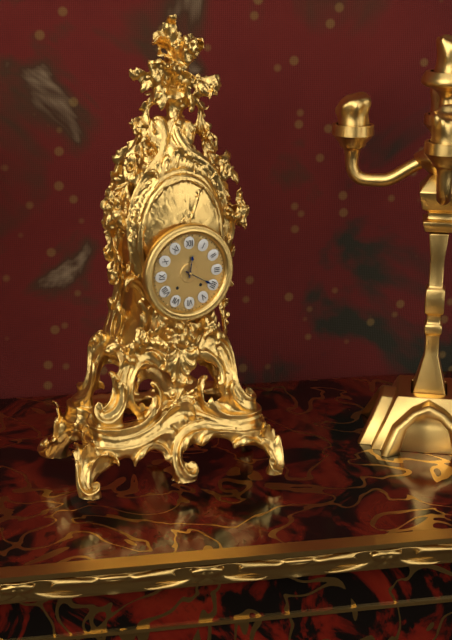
12:20
